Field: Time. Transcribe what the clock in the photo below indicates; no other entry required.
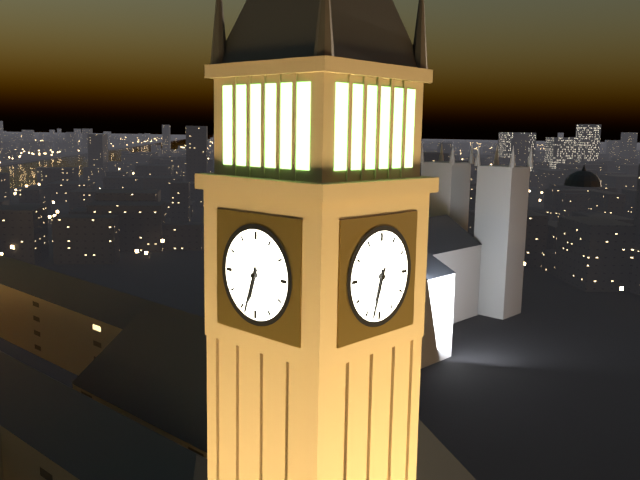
6:33
